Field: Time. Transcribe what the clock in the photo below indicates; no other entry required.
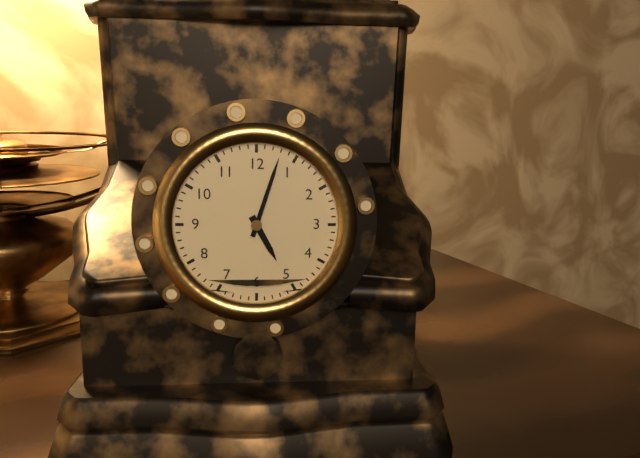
5:03
